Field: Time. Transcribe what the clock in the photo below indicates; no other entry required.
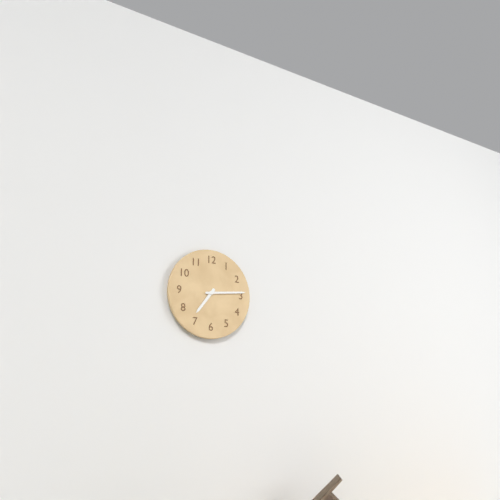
7:14
